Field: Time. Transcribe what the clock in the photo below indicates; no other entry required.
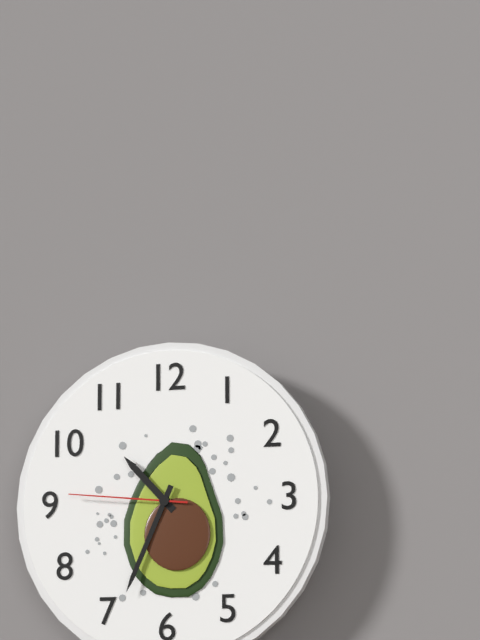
10:34:46
